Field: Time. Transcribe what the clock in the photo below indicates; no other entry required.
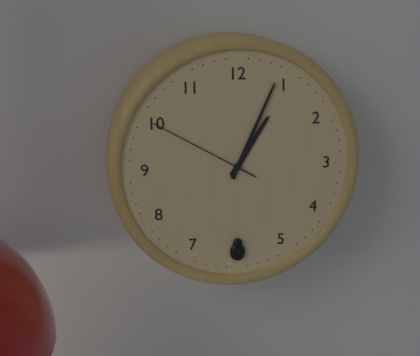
1:04:50
